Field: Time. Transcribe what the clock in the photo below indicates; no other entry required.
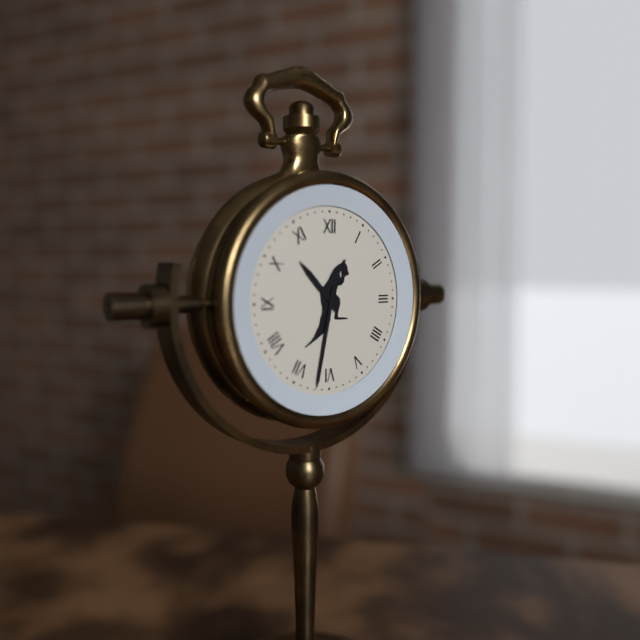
10:32
